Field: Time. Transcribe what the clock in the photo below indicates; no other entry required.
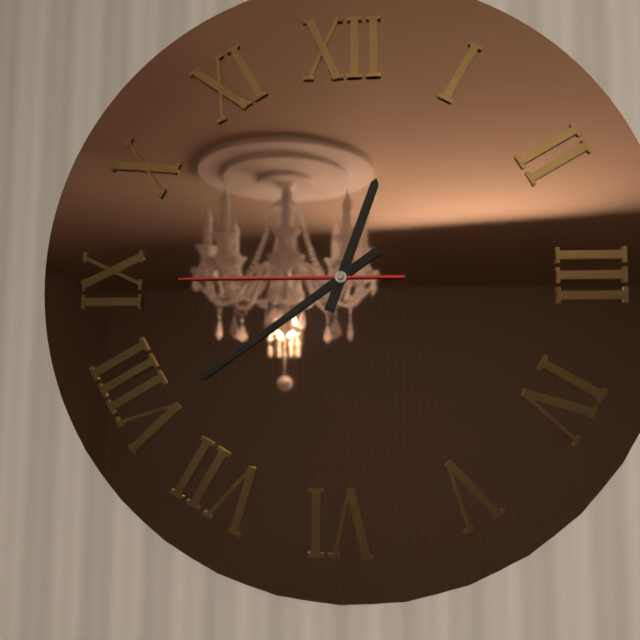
12:39:45
